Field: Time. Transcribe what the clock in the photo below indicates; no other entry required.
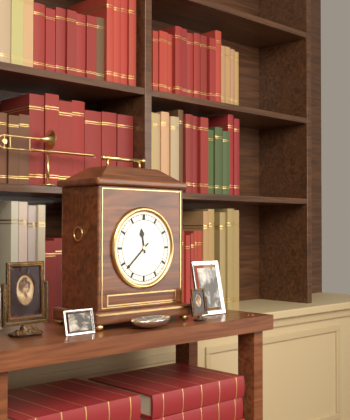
11:38
